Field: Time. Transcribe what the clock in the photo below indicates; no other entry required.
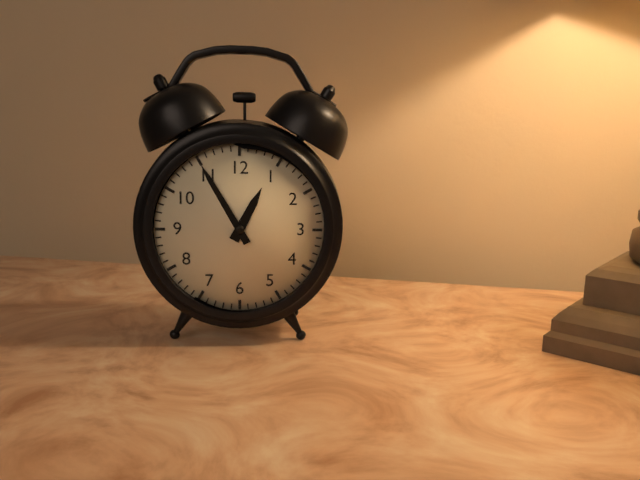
12:55
